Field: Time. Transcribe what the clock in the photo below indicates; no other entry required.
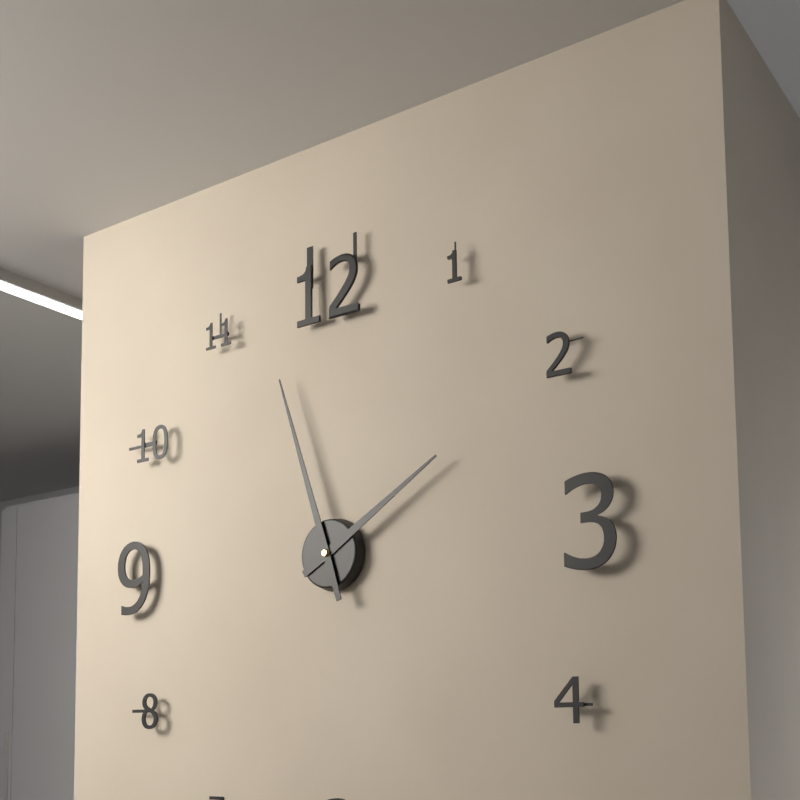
1:57
